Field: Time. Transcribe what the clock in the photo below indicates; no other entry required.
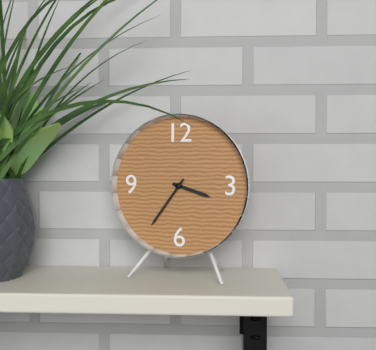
3:36
